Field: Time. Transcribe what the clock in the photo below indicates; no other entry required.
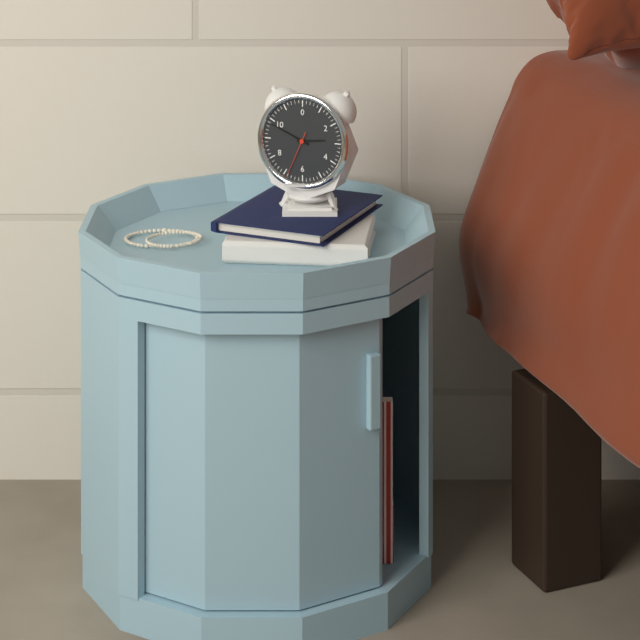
2:49
